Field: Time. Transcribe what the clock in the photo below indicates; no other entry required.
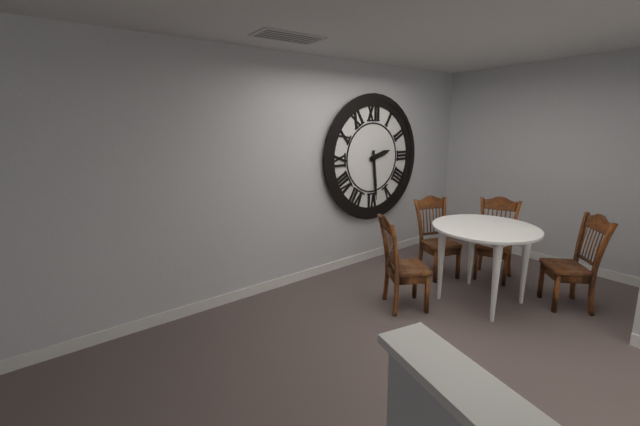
2:29
